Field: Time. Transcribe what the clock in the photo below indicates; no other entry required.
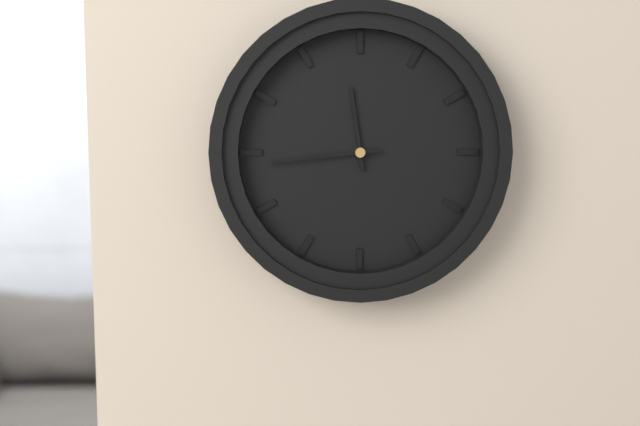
11:44
